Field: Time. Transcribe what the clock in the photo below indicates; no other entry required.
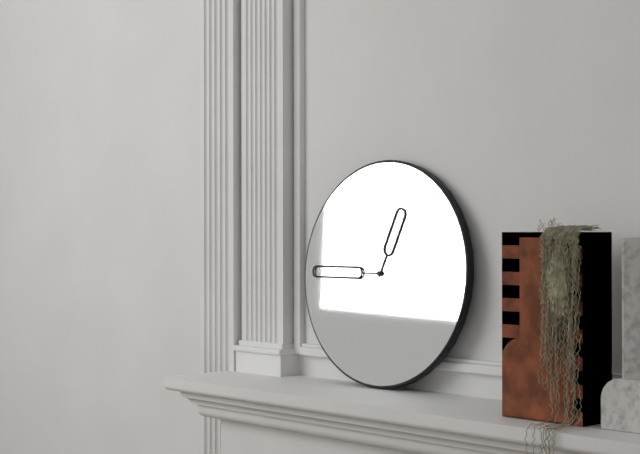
12:45
